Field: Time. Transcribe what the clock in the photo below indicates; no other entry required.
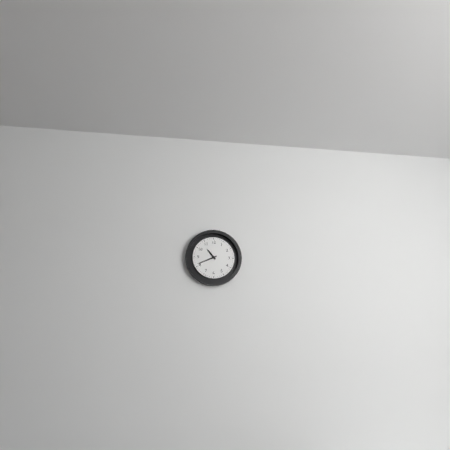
10:41
